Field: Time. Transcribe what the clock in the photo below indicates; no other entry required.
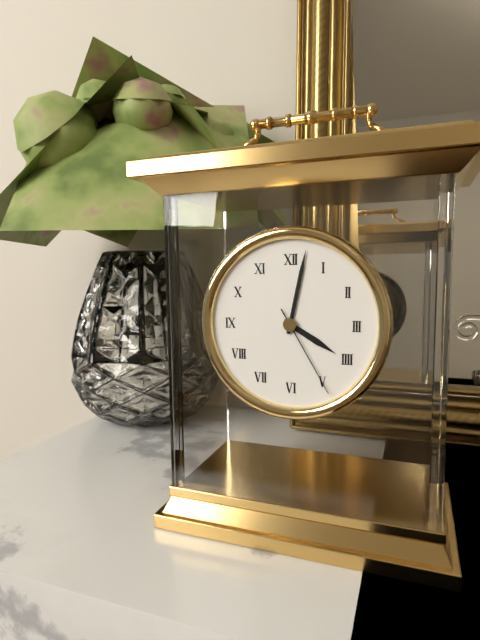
4:02:25
